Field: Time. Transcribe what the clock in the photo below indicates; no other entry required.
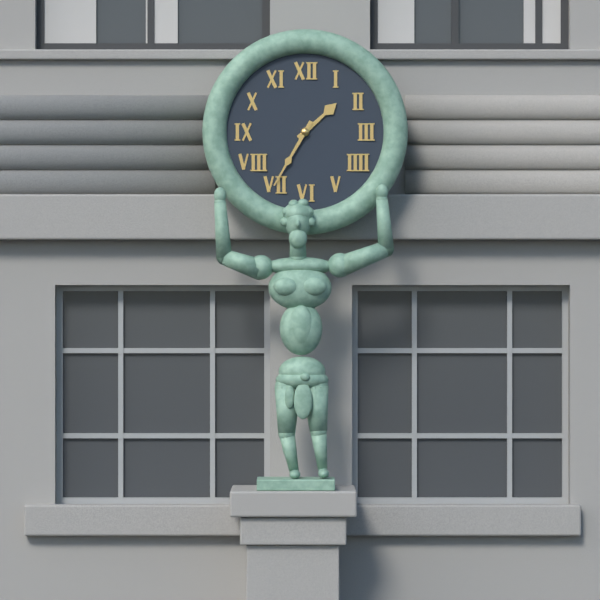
1:35
